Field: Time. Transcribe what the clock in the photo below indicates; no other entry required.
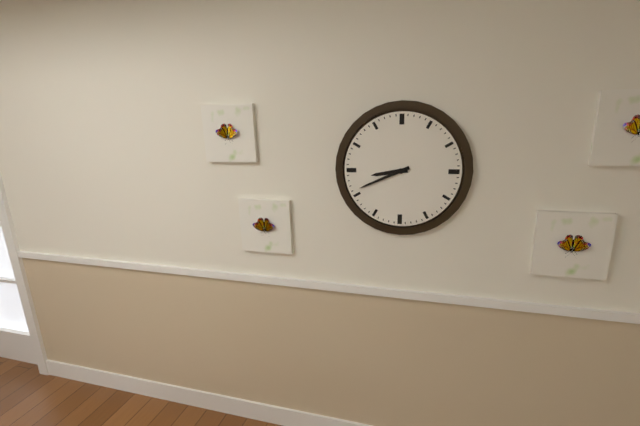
8:41
